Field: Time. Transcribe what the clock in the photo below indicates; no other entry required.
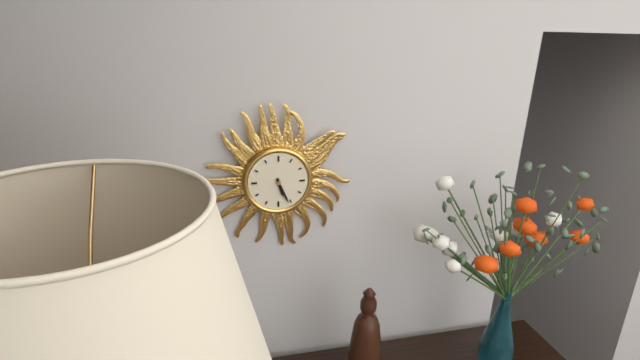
5:26
